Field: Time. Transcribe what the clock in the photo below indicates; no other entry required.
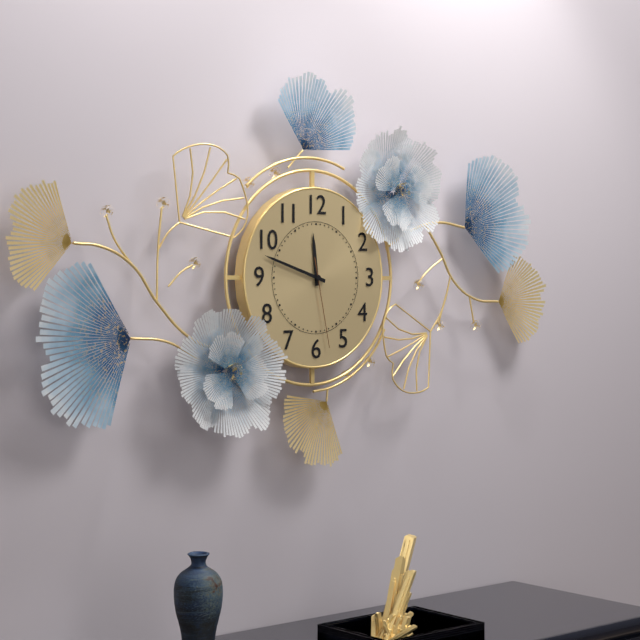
11:48:28
